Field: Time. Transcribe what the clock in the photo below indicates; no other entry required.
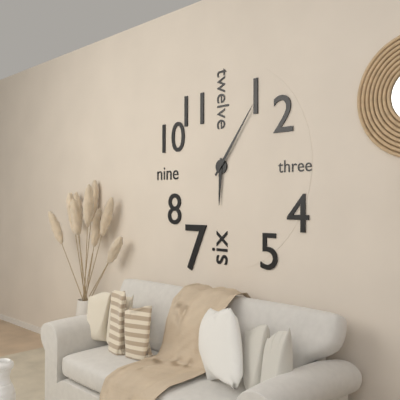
6:06
